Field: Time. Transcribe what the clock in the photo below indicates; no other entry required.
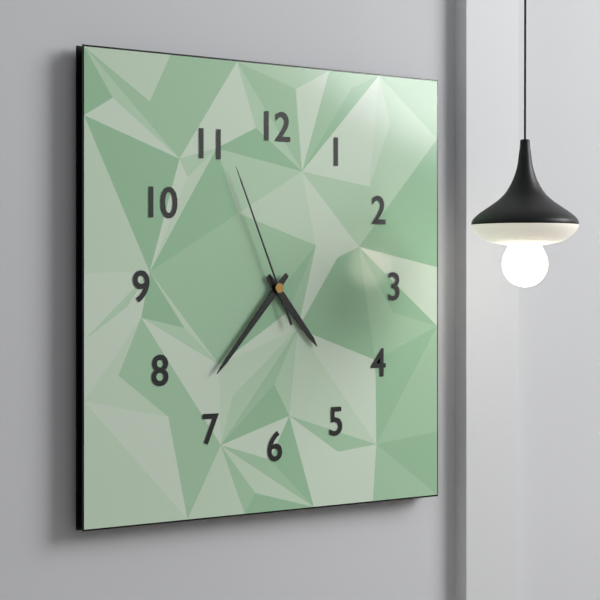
4:37:56
